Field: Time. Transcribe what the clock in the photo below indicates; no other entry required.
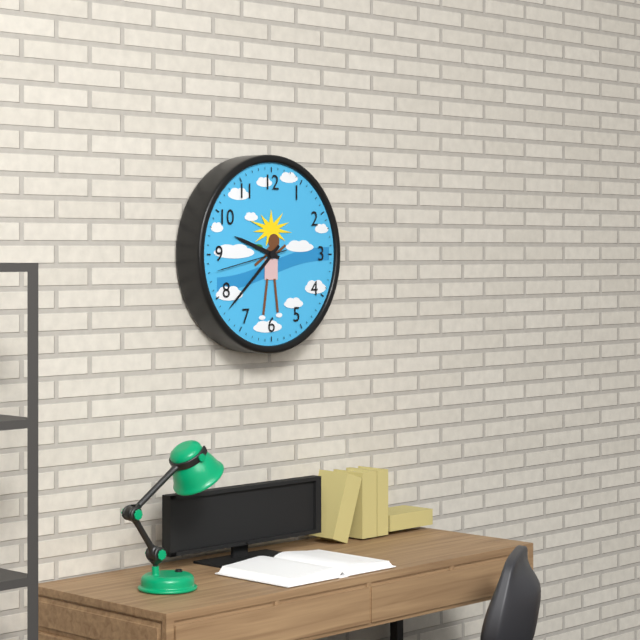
9:38:43
